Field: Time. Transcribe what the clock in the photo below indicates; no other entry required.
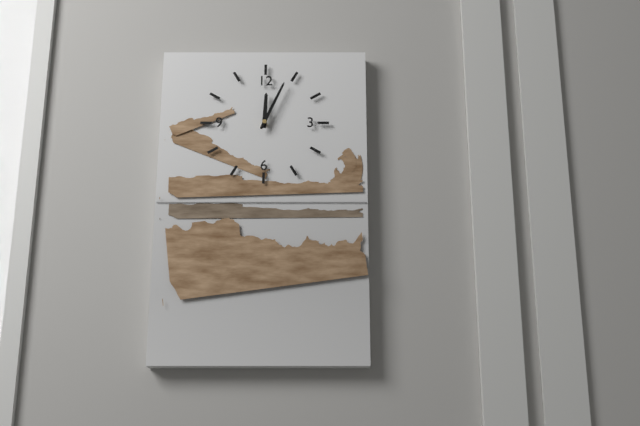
12:04
